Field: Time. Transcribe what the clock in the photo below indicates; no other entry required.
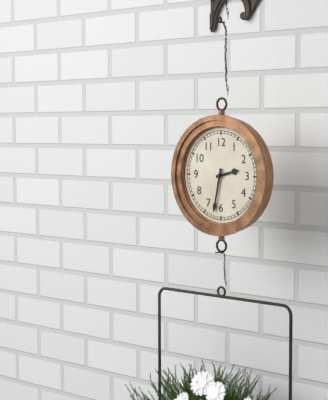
2:32
